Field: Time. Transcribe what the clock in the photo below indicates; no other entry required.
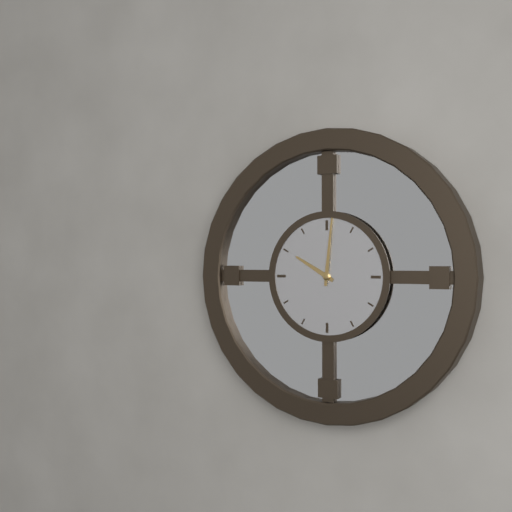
10:01
